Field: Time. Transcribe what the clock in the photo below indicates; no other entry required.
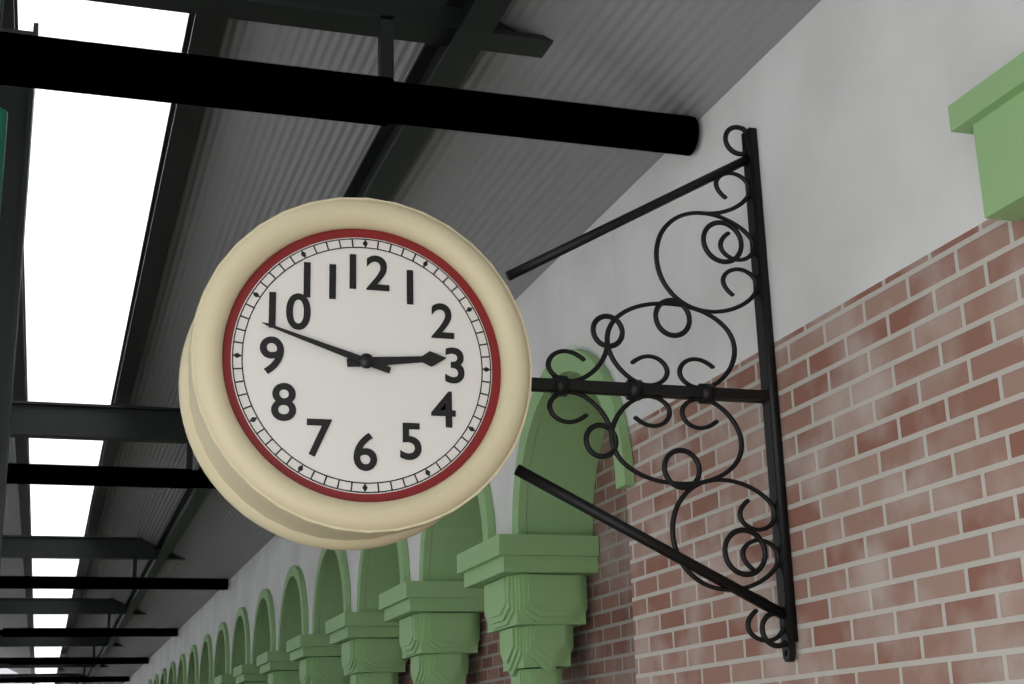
2:48
